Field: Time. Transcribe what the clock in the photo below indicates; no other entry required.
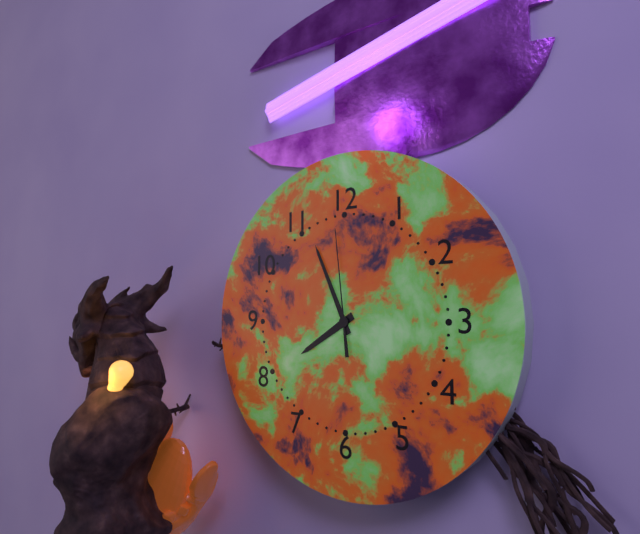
7:56:59
